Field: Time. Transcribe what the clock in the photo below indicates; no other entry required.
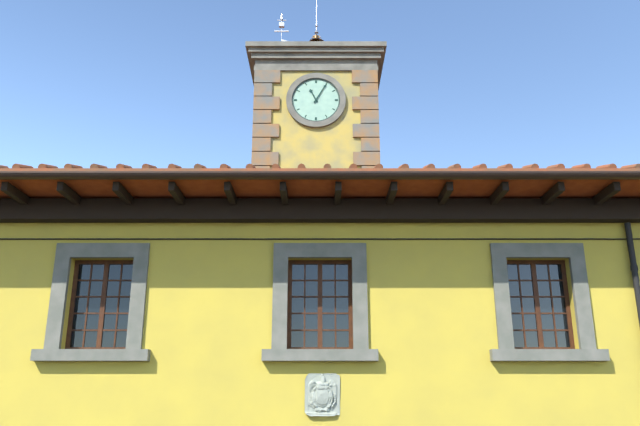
11:05
